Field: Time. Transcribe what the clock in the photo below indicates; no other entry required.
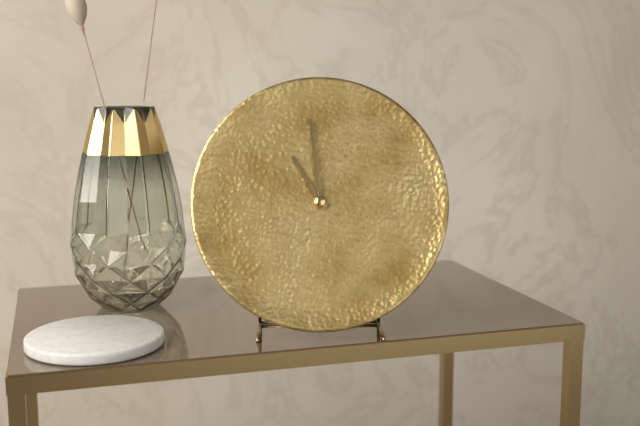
10:59
